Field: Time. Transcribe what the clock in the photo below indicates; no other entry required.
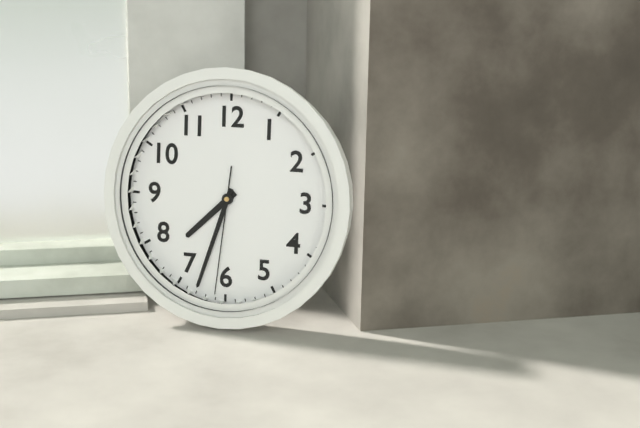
7:33:31
